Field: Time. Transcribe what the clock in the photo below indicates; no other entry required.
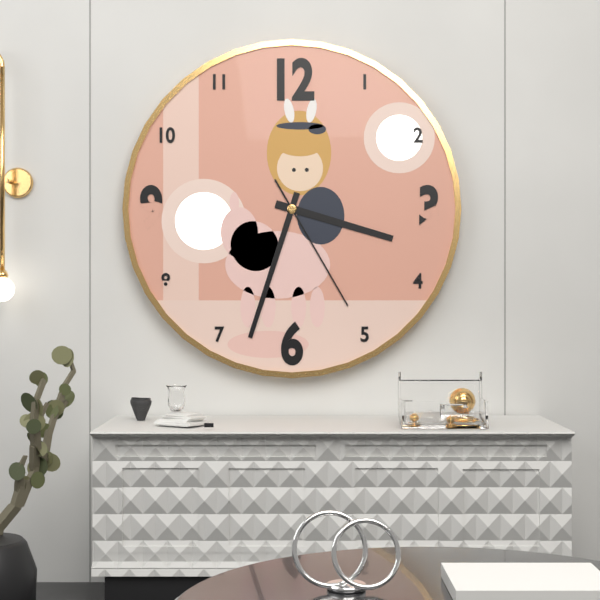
3:33:25
